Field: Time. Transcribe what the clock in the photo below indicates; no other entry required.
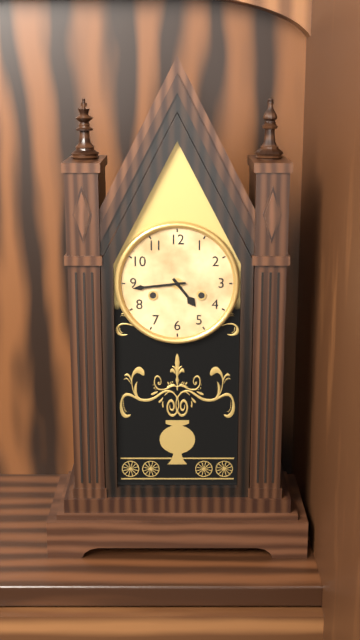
4:44
